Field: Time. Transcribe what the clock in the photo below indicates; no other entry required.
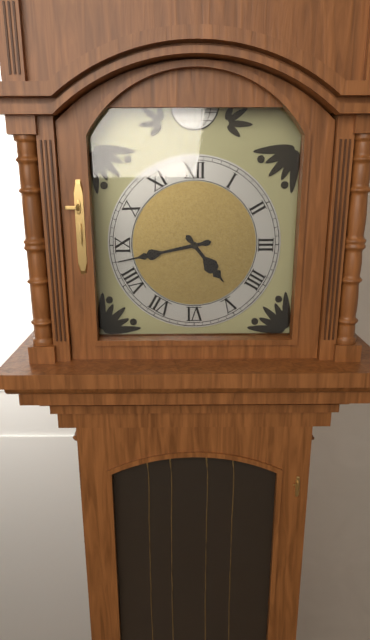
4:43
